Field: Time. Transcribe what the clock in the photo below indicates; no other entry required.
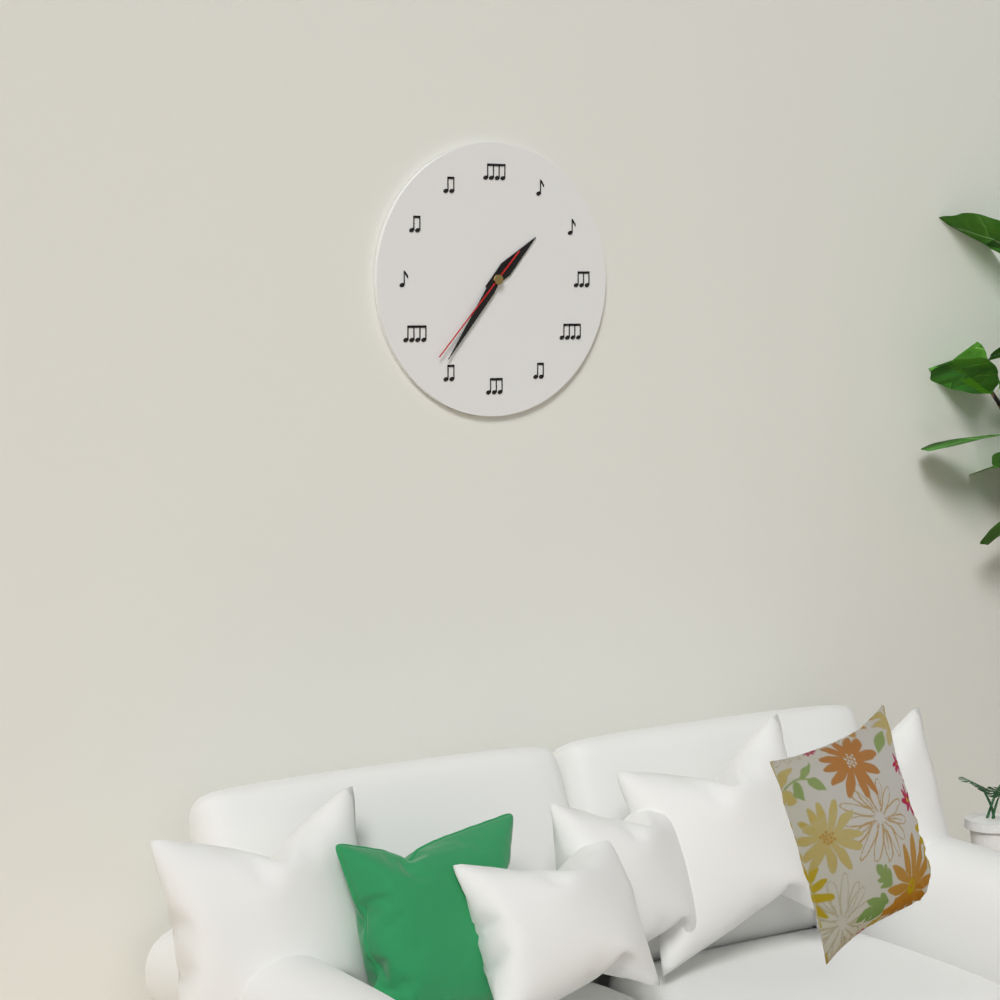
1:36:37
